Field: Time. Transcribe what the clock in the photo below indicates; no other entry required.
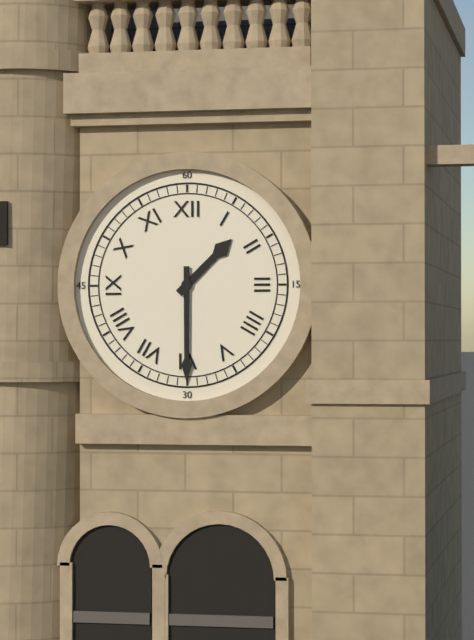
1:30
